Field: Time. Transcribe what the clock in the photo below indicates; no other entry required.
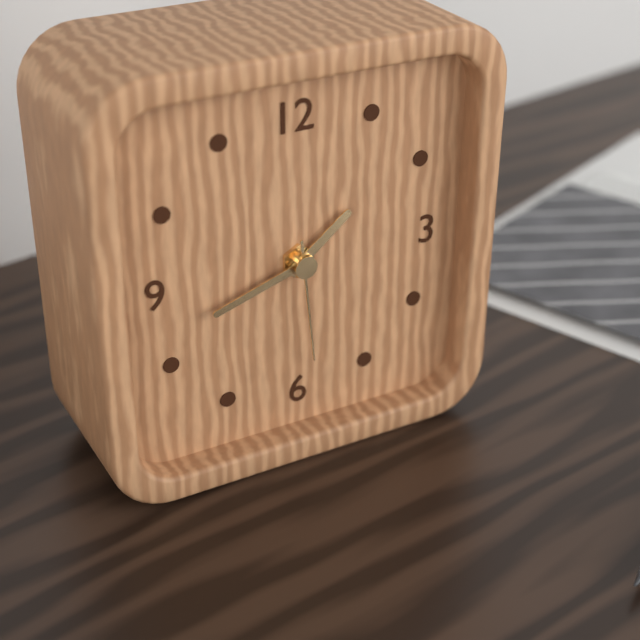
1:42:29
